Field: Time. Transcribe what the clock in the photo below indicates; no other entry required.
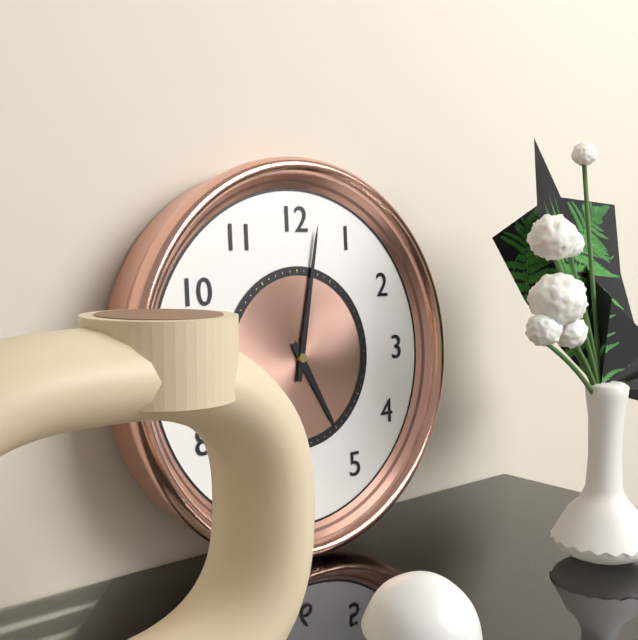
5:02
